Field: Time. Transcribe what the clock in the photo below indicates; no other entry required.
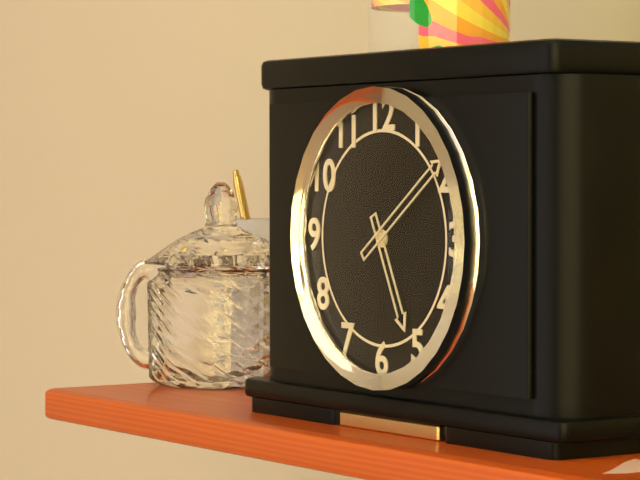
5:09
